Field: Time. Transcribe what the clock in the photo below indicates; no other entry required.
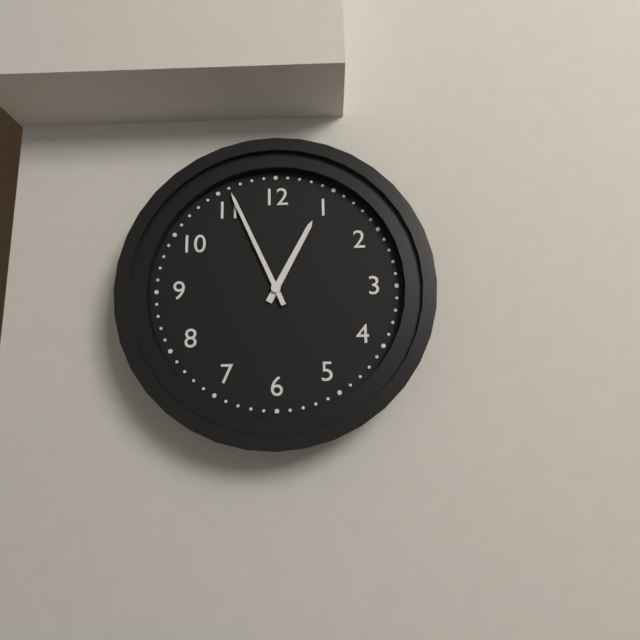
12:56
